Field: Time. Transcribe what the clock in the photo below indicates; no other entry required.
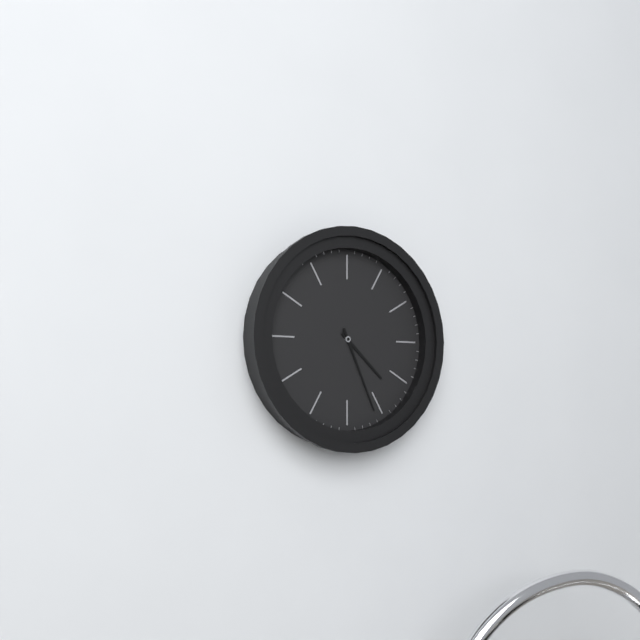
4:26
